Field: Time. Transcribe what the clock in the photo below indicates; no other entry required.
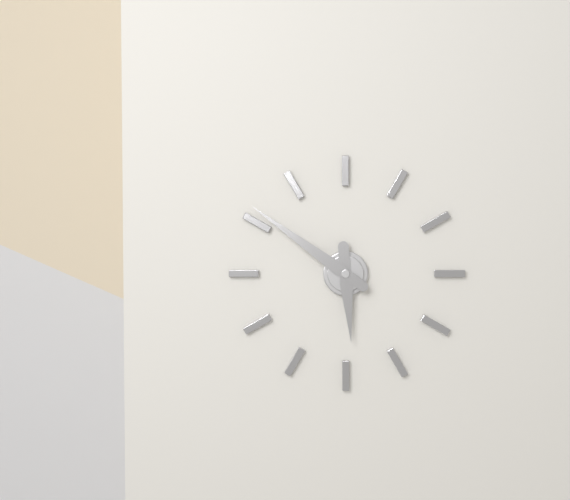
5:51
